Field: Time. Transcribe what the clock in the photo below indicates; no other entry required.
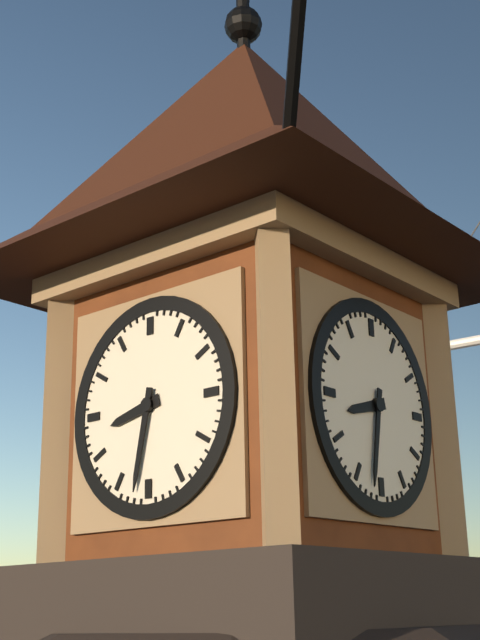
8:32
